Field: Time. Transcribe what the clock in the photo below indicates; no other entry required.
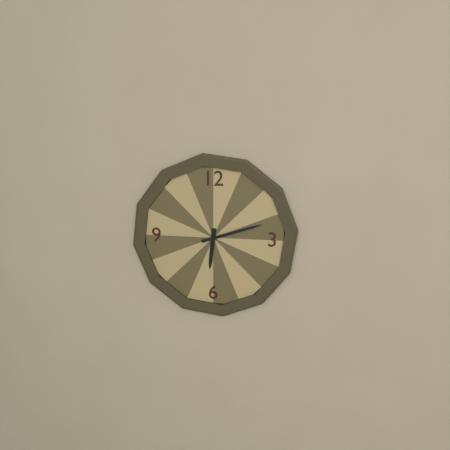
6:12
